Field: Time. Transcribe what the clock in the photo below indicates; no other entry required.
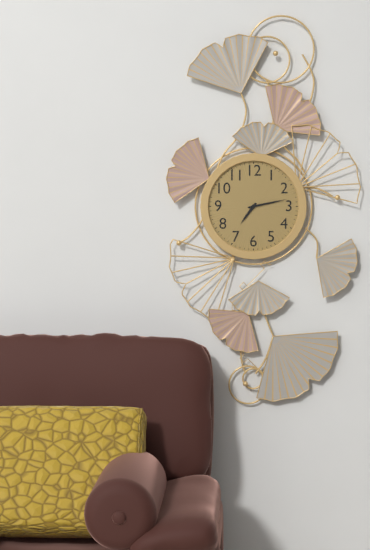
7:13
